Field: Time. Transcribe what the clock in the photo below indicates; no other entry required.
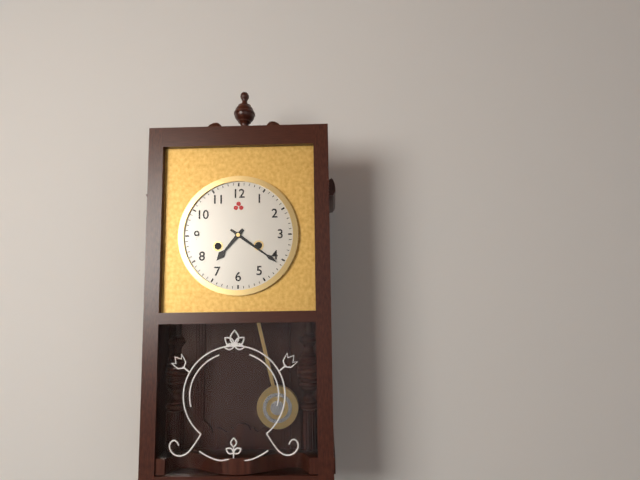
7:21
